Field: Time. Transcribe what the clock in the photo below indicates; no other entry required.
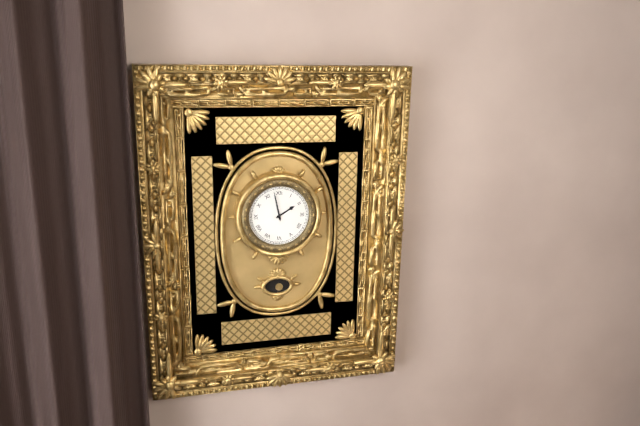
1:58
